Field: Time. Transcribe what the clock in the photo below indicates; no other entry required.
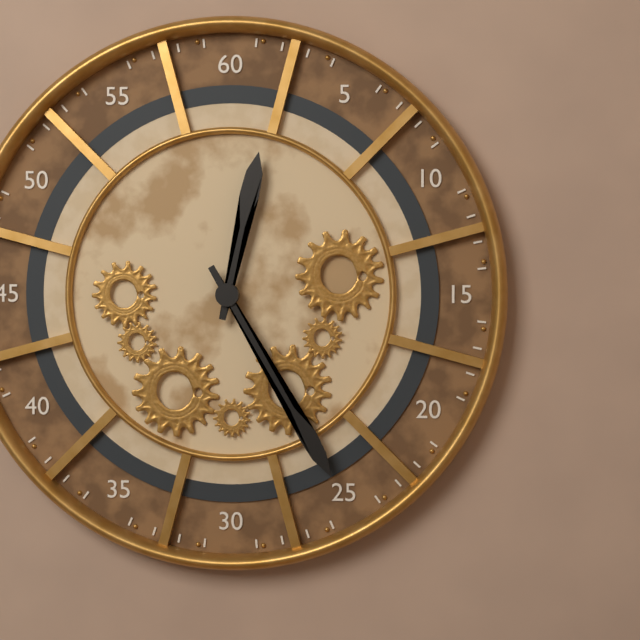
12:25
